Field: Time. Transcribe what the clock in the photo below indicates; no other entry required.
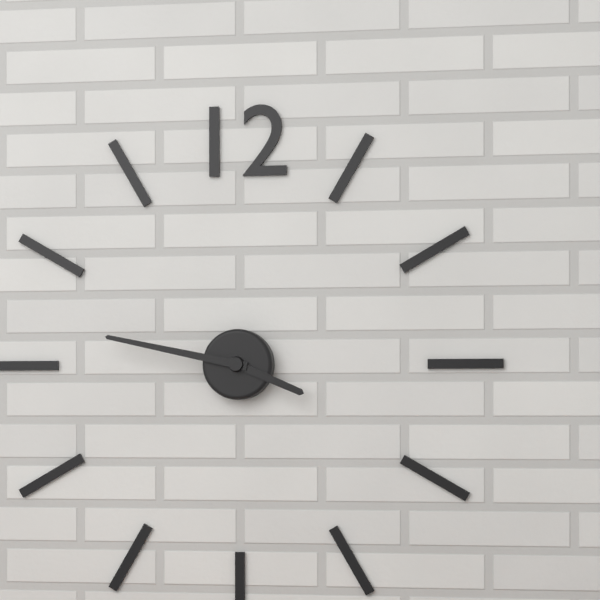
3:47
